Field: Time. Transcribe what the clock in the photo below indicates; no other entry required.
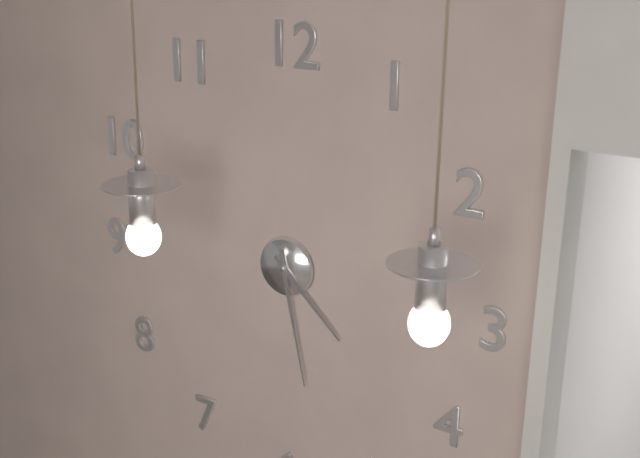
4:28
